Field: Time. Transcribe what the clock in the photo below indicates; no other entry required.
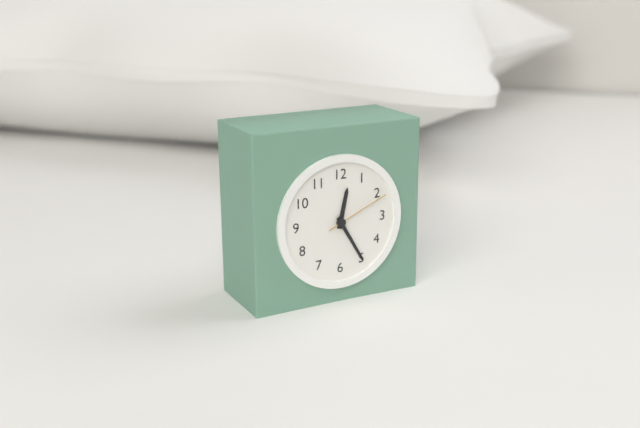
12:25:11
